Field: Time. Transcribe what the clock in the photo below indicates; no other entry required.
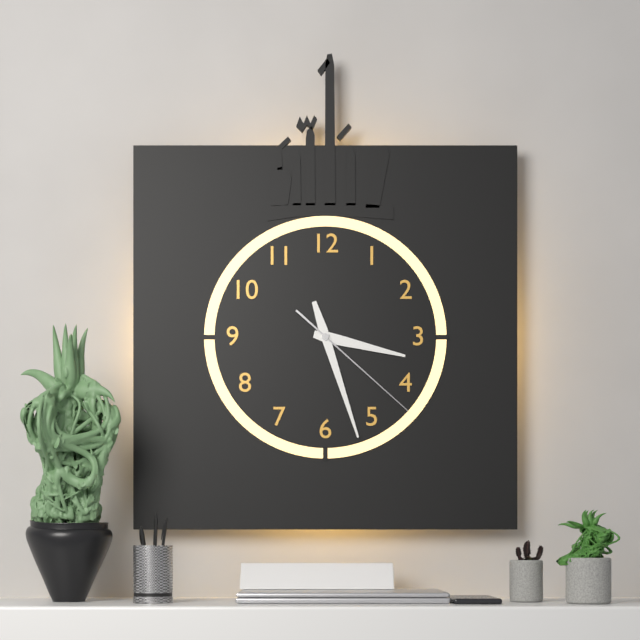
3:27:22
